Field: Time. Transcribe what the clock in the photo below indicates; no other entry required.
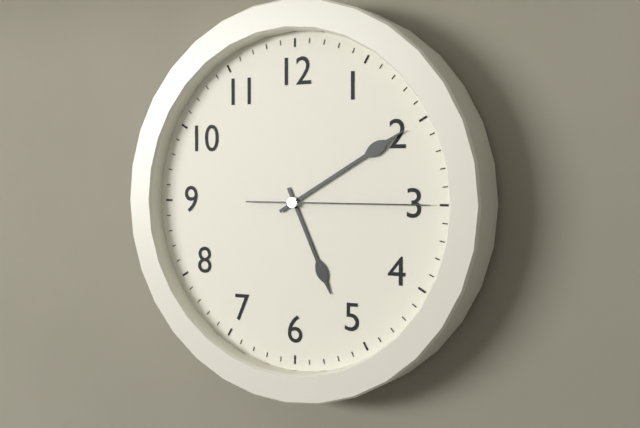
5:10:15
